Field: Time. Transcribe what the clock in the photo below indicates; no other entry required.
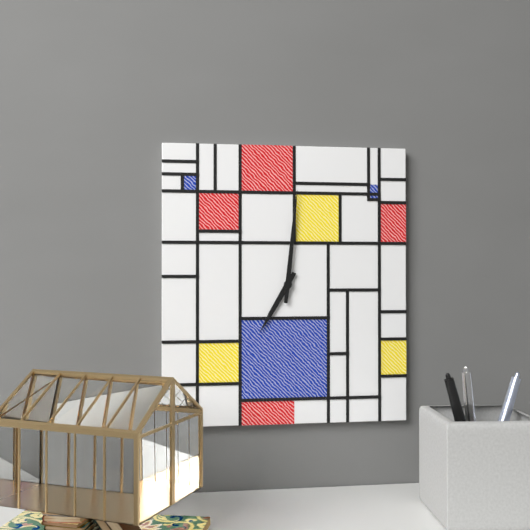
7:01
